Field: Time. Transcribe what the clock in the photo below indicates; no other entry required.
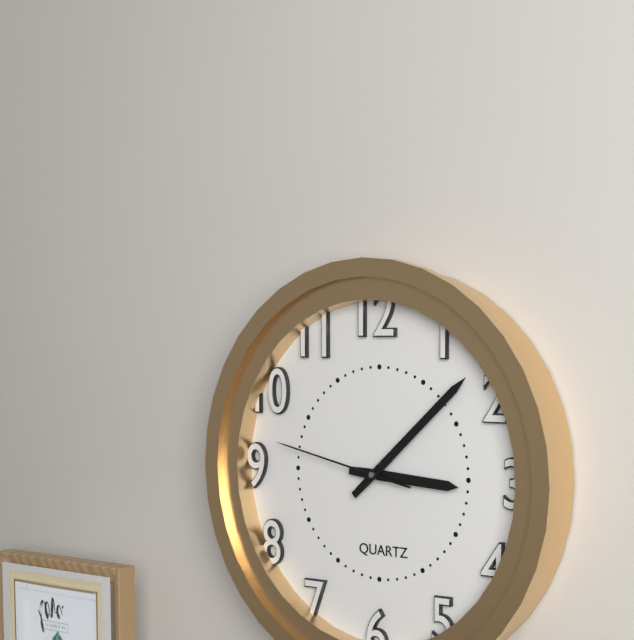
3:08:47
